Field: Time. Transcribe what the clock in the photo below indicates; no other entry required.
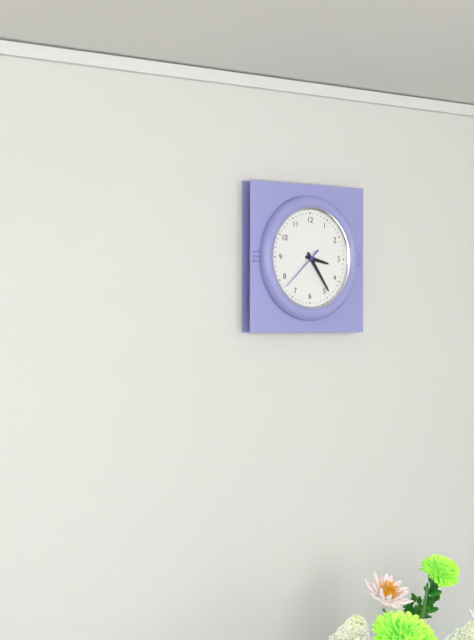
3:24
